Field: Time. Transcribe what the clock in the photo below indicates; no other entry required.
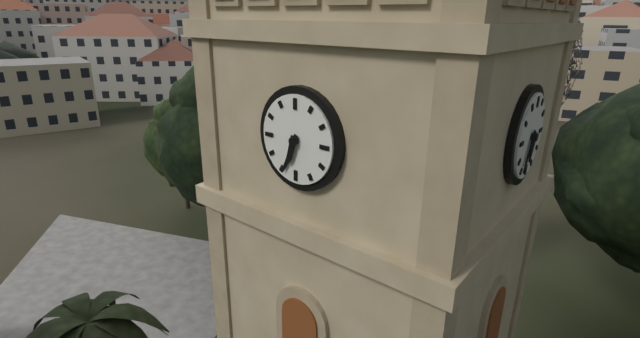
6:34
